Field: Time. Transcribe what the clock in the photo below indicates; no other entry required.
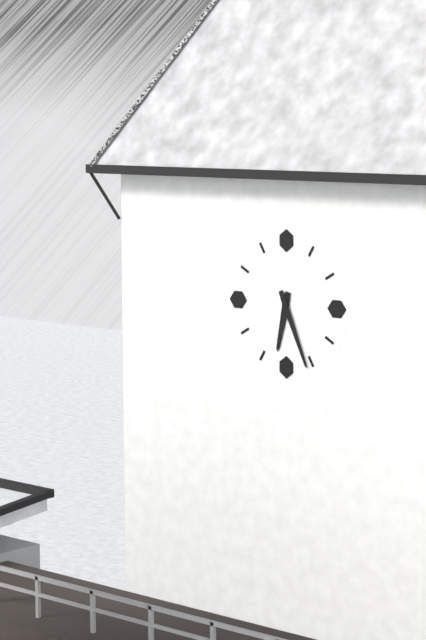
6:26
